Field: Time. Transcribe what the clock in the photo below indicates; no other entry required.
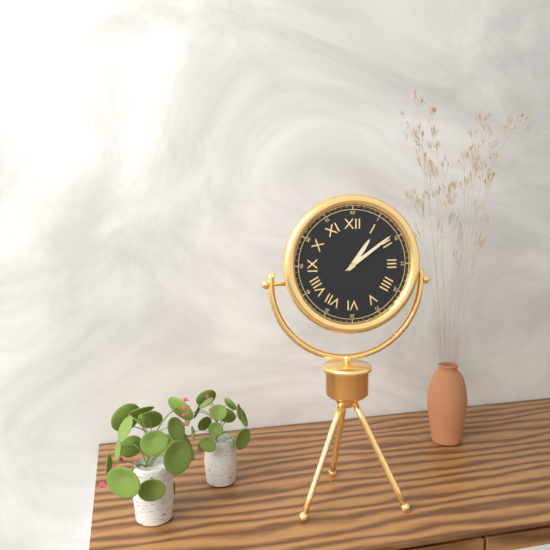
1:09
